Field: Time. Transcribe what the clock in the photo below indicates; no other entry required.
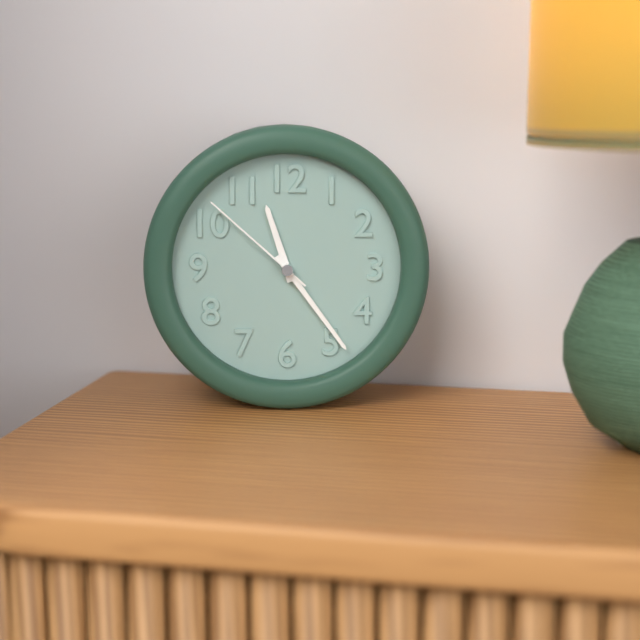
11:24:52
